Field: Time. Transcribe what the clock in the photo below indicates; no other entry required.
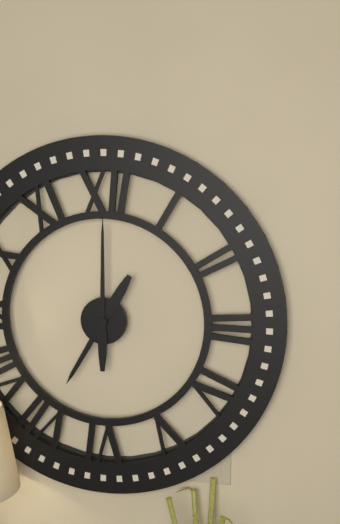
7:00
